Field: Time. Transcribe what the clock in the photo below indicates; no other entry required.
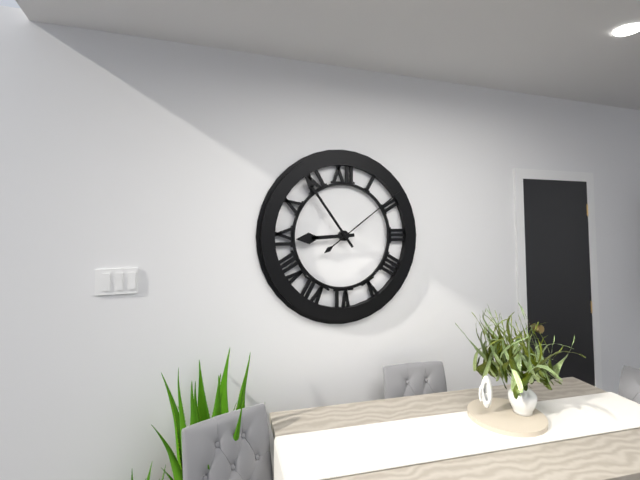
8:54:09
